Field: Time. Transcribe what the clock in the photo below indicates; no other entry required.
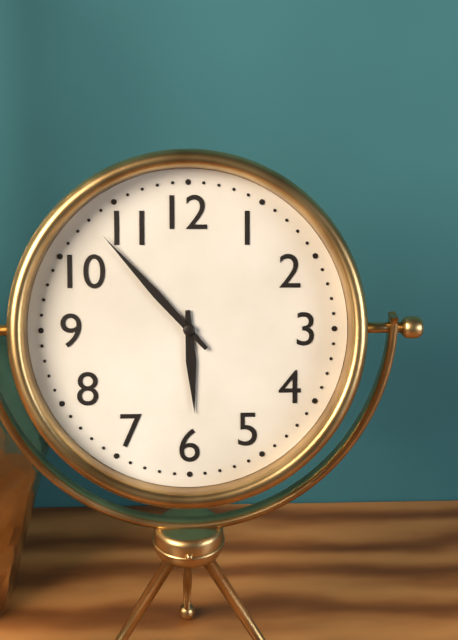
5:53
